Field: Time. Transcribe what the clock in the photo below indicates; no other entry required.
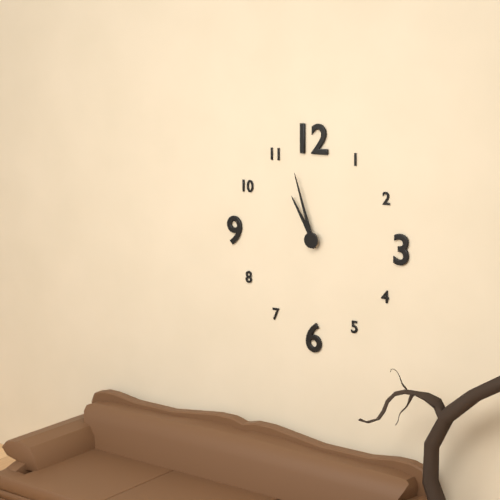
10:57
